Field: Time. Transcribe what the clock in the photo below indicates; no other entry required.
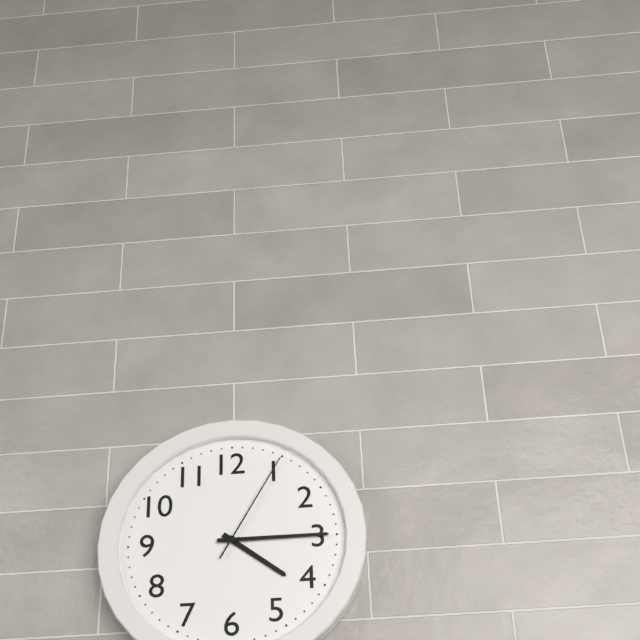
4:15:05
